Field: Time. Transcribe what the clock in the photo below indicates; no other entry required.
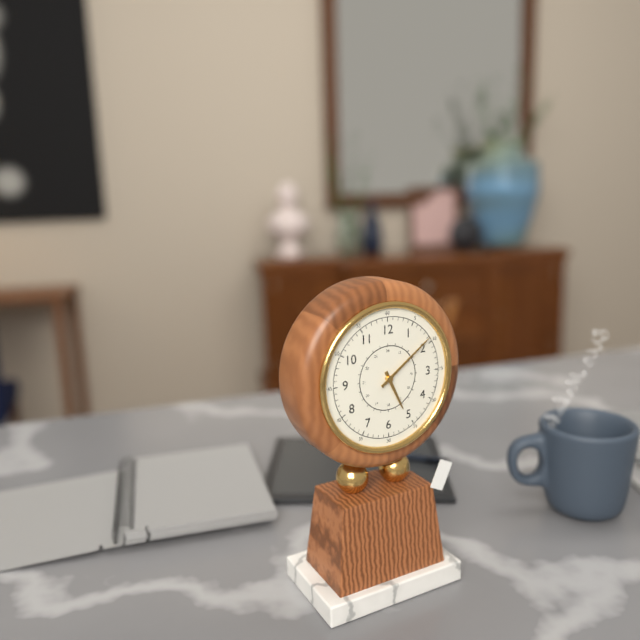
5:09
